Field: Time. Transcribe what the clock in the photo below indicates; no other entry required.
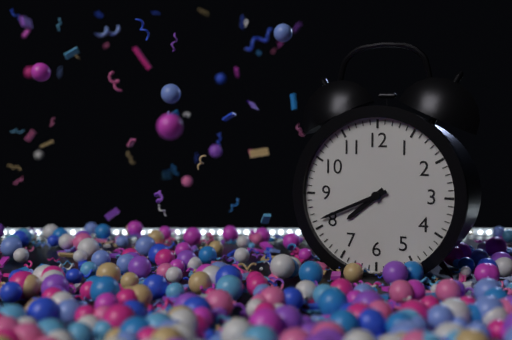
7:41
